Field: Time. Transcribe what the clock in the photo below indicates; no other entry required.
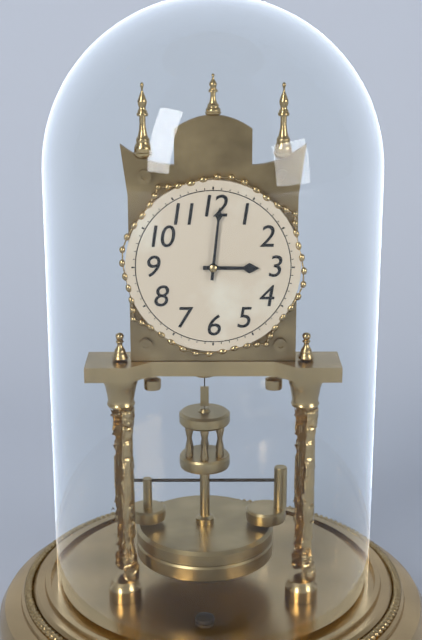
3:01
